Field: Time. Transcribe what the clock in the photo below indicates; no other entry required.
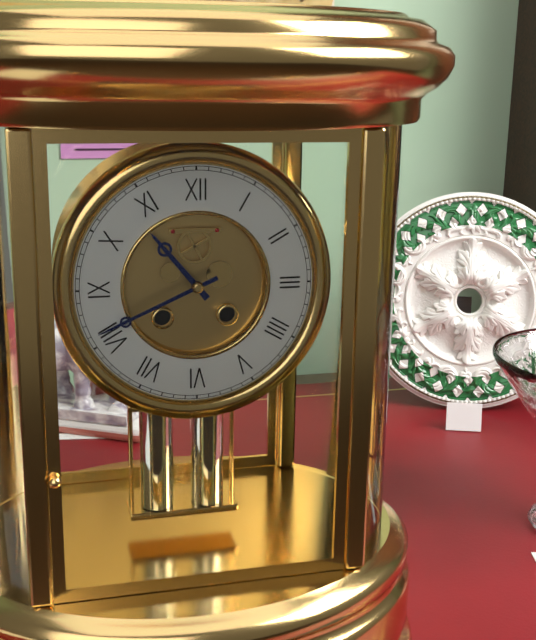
10:41
